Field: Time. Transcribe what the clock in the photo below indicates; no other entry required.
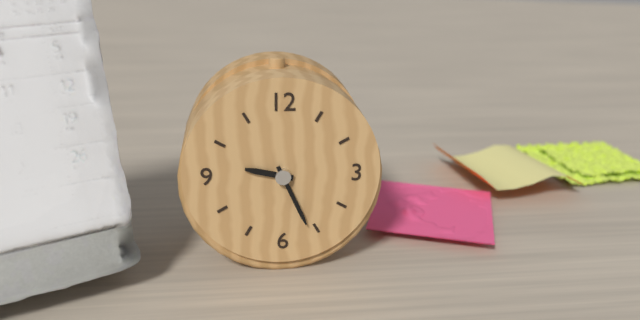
9:26
